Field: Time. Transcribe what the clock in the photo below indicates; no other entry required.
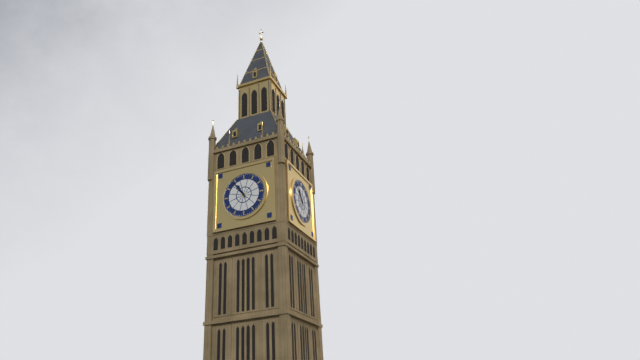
10:54
